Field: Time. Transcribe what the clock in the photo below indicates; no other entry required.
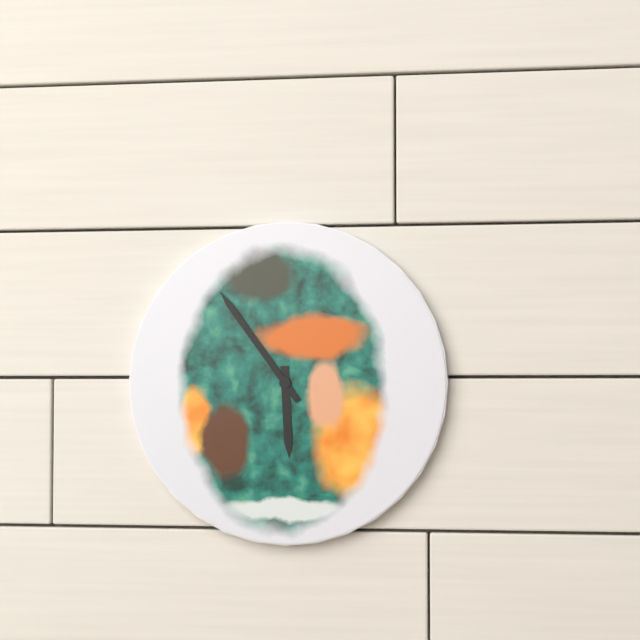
5:54
